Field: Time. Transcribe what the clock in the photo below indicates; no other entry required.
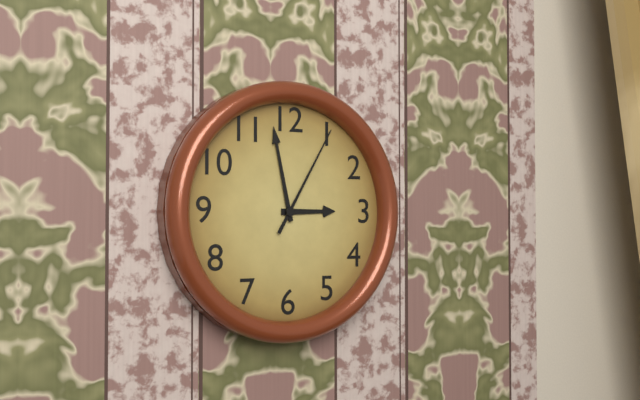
2:58:05
